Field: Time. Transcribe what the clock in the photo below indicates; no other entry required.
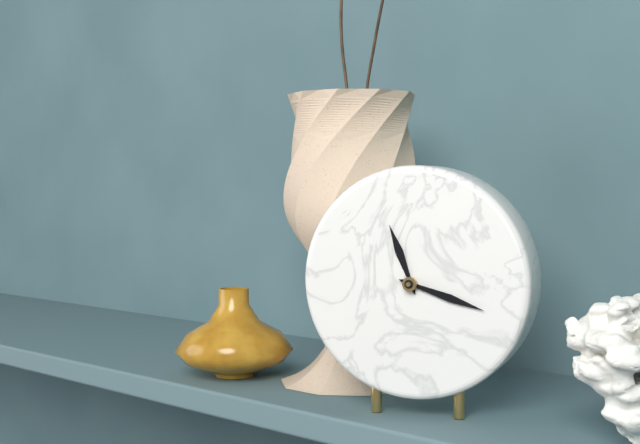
11:18
